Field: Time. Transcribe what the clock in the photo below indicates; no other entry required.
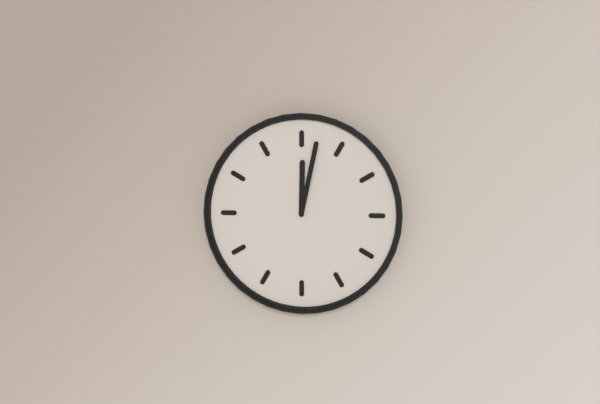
12:02
